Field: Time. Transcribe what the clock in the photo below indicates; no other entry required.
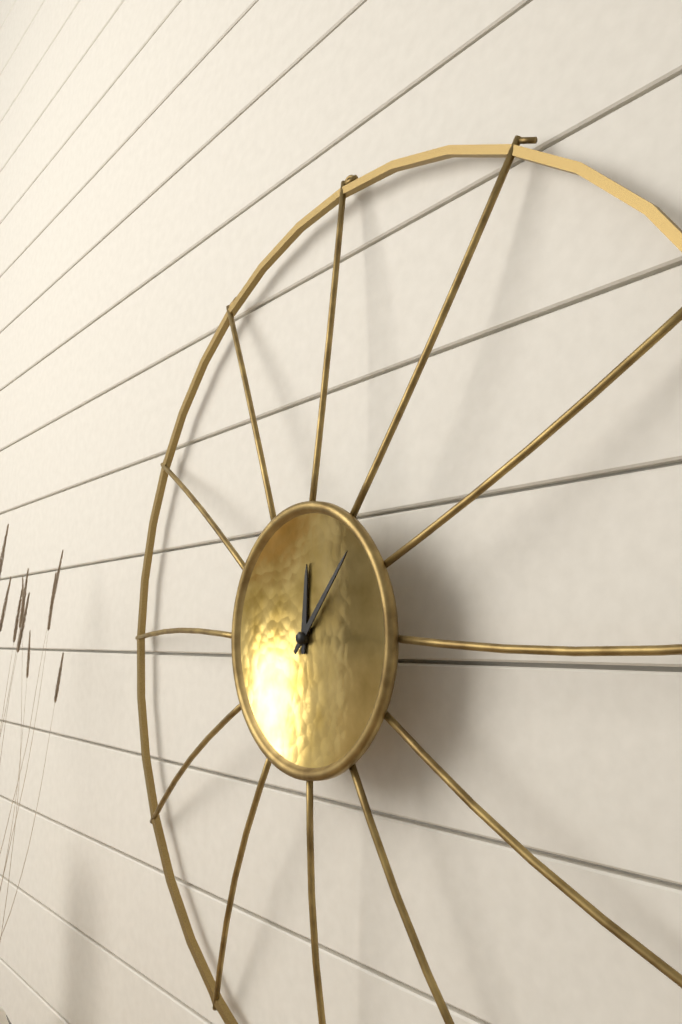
12:07
